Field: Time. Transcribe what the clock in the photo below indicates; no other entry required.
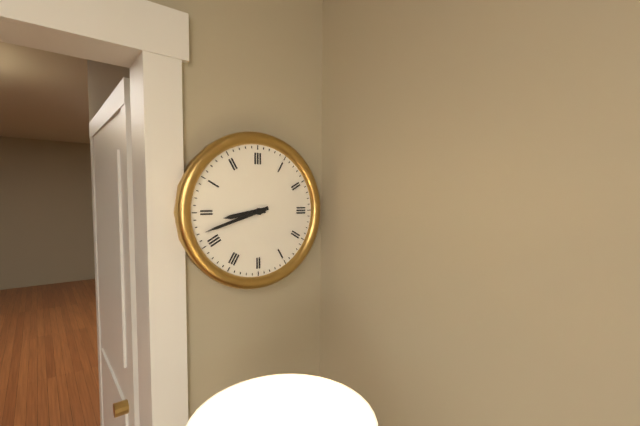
8:42
